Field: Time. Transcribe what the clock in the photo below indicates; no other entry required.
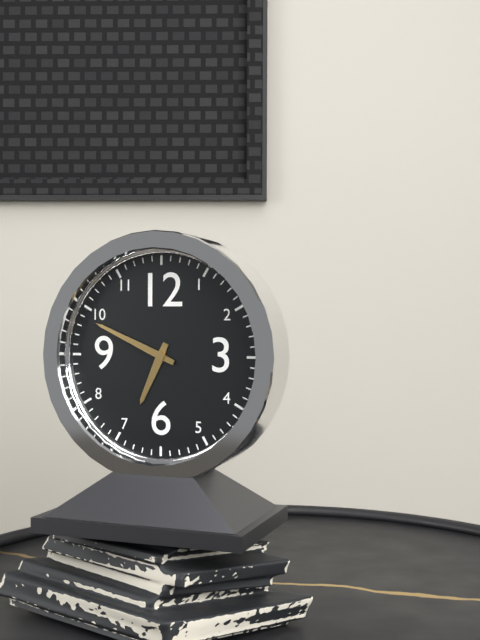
6:49
